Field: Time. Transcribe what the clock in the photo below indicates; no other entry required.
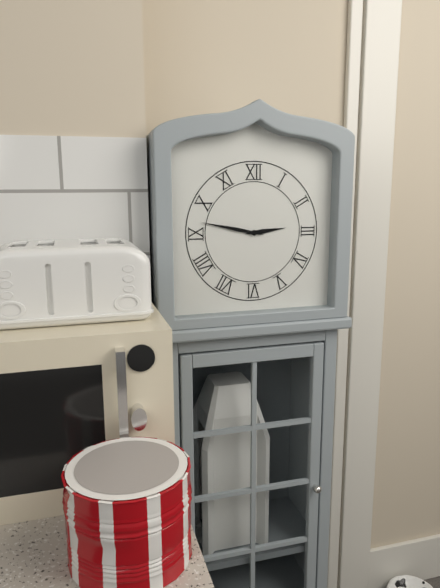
2:47
